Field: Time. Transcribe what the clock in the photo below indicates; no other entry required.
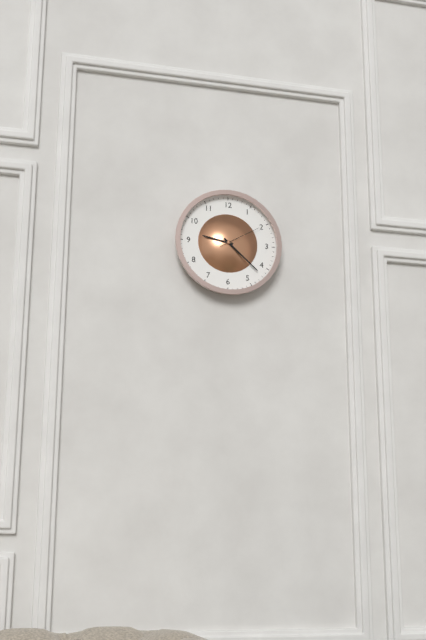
9:22
